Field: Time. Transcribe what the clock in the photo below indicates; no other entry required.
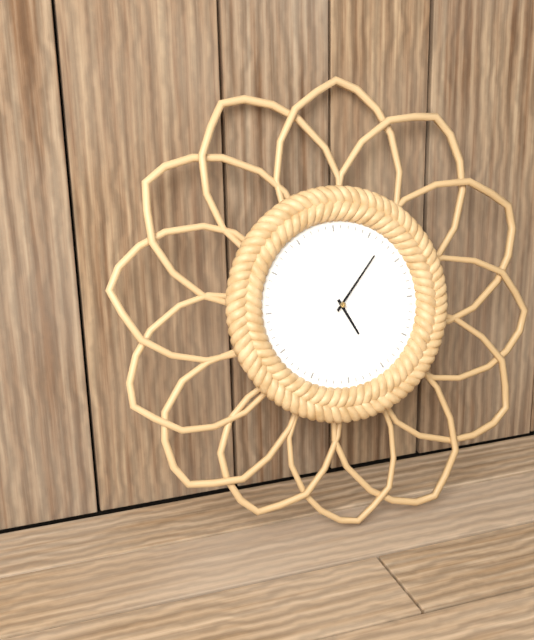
5:07
